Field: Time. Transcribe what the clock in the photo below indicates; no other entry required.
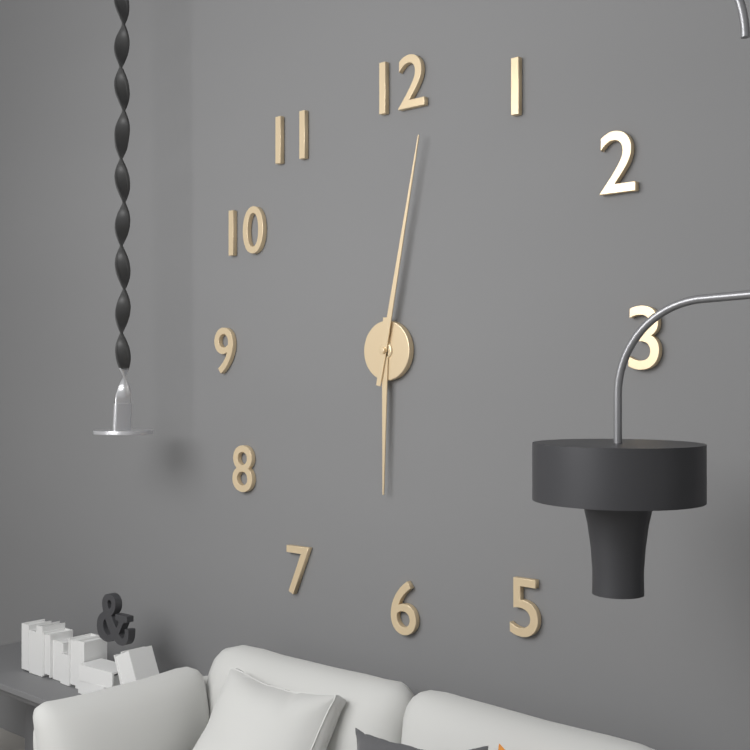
6:02
